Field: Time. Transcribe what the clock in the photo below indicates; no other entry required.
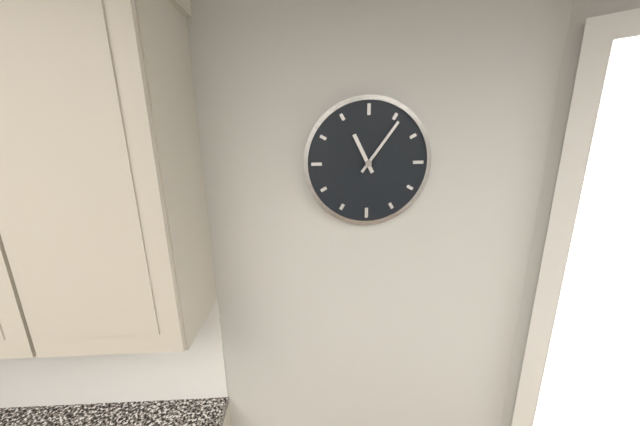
11:06
